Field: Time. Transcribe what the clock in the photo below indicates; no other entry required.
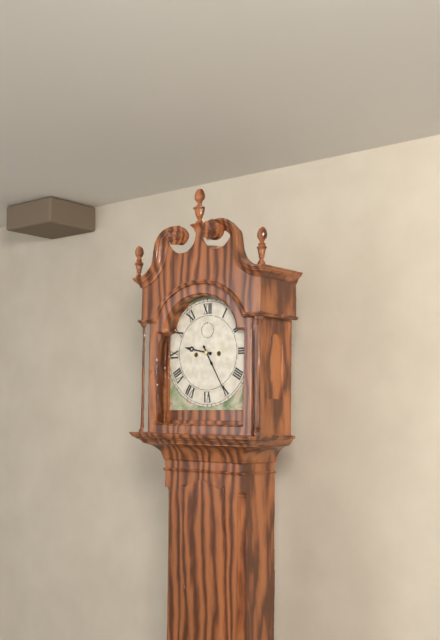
9:25
